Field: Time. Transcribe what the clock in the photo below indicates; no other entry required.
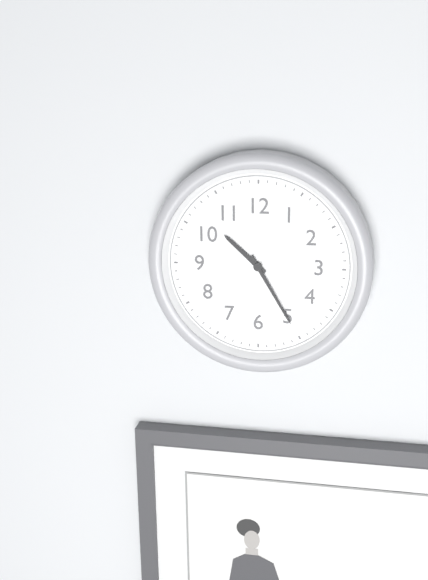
10:25
